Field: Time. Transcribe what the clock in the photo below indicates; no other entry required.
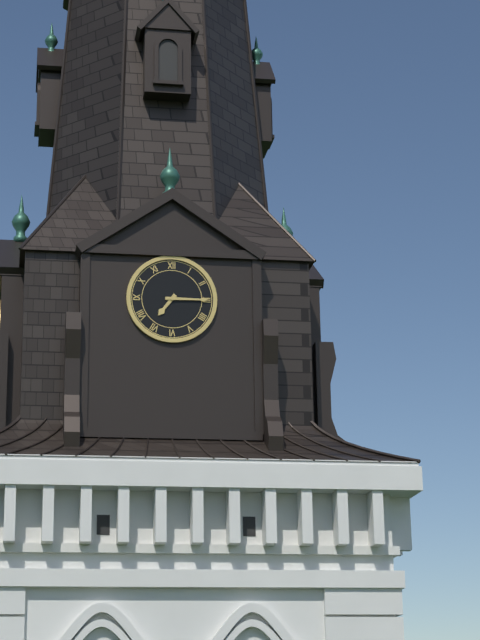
7:15
